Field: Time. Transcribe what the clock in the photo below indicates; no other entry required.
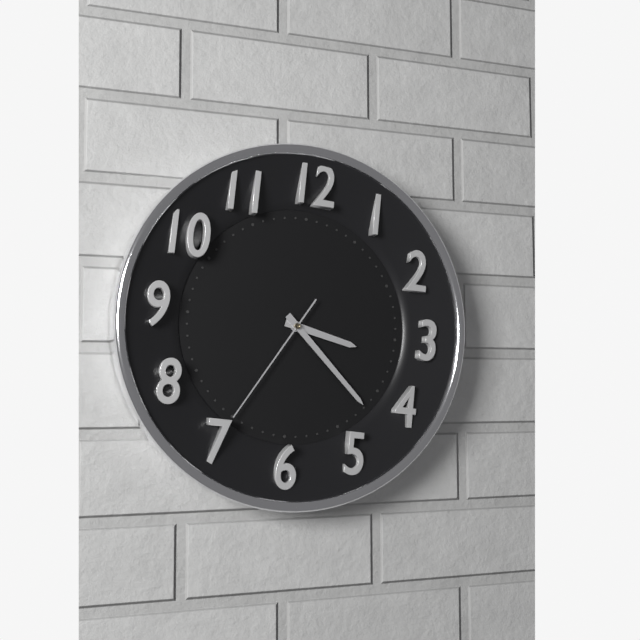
3:22:35
